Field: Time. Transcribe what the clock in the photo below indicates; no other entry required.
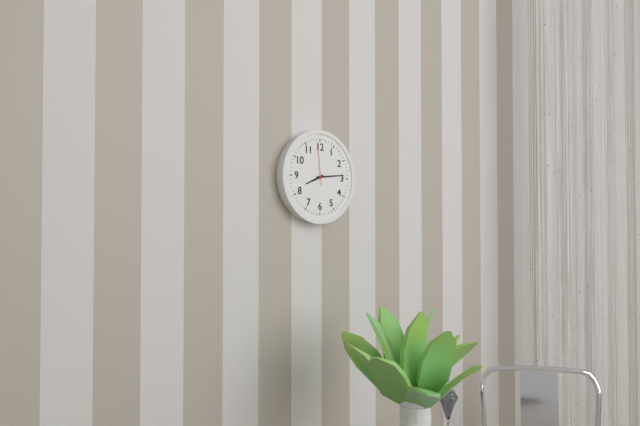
8:14
